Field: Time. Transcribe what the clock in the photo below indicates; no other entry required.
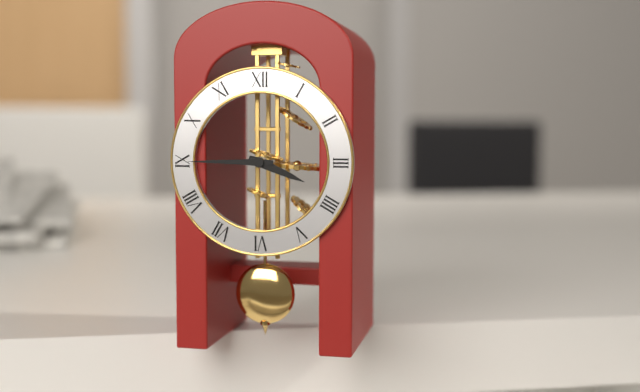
3:45
